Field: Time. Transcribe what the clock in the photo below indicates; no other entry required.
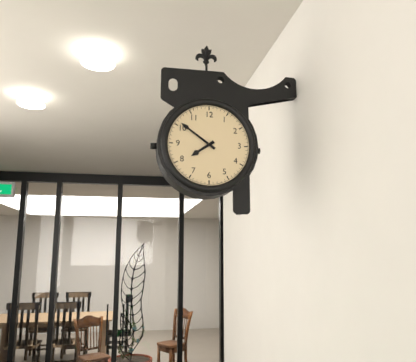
7:51
